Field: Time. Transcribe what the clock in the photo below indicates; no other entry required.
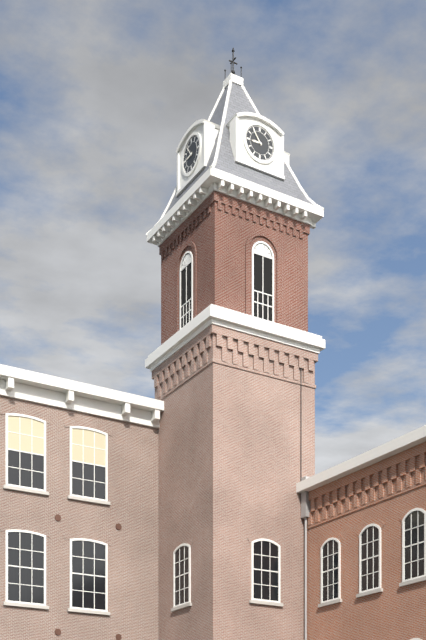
8:54
